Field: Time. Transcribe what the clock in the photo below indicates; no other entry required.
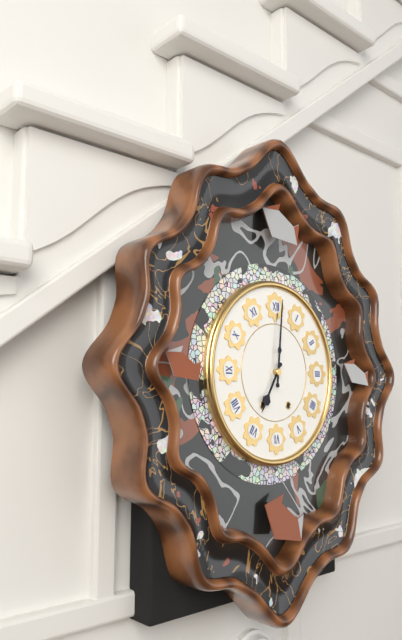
7:01
